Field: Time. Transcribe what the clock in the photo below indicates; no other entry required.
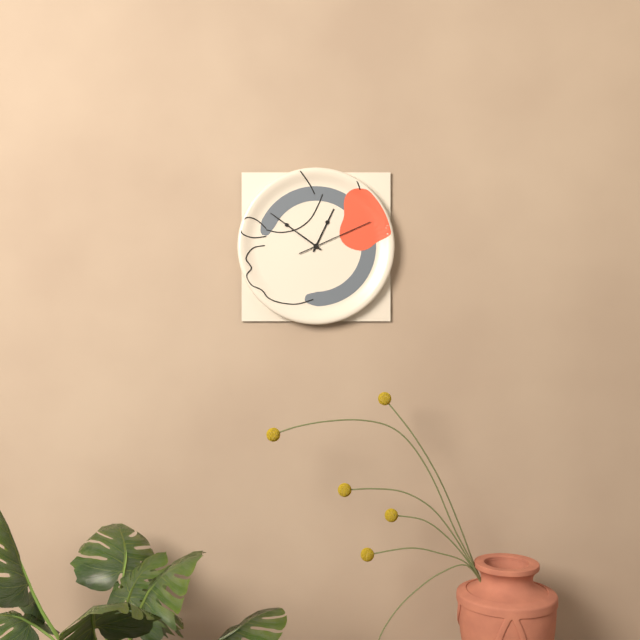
12:51:11
